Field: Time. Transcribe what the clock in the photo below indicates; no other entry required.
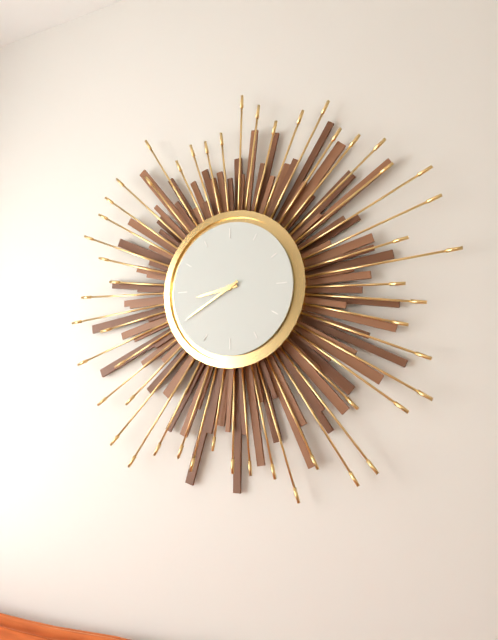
8:40
